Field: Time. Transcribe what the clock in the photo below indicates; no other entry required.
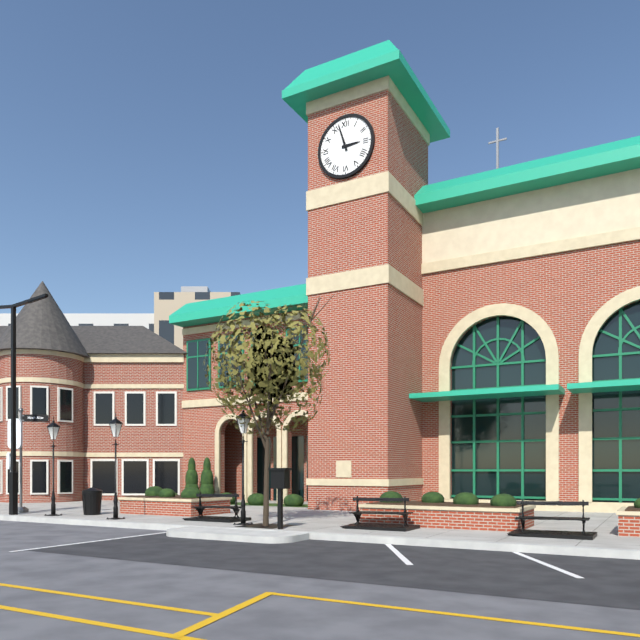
2:57
